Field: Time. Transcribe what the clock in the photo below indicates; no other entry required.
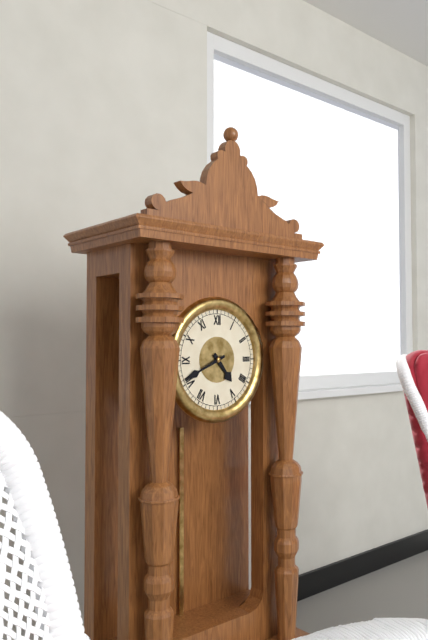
4:41
